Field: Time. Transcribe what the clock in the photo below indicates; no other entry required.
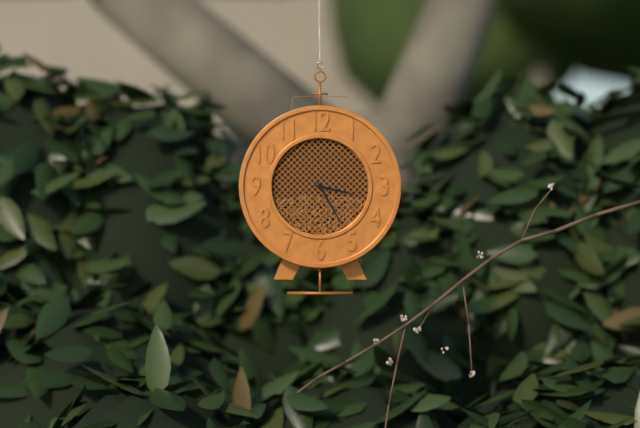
3:25
